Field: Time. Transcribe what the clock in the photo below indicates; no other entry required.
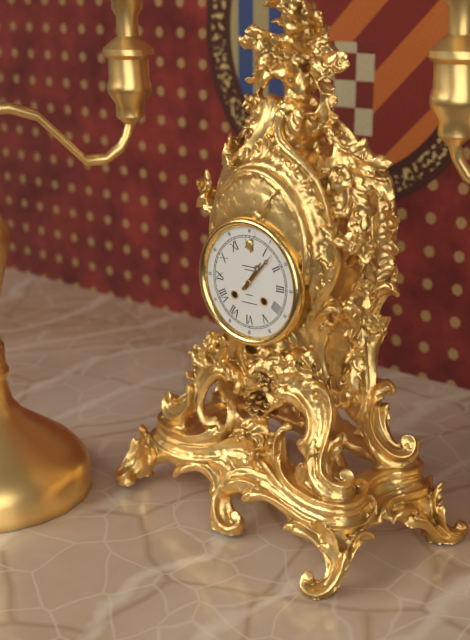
1:07
